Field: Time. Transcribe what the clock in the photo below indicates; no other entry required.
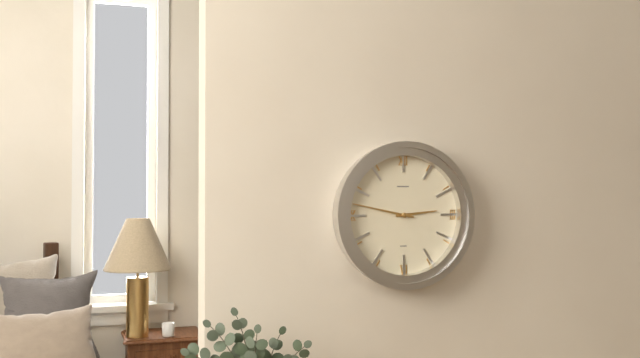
2:47
